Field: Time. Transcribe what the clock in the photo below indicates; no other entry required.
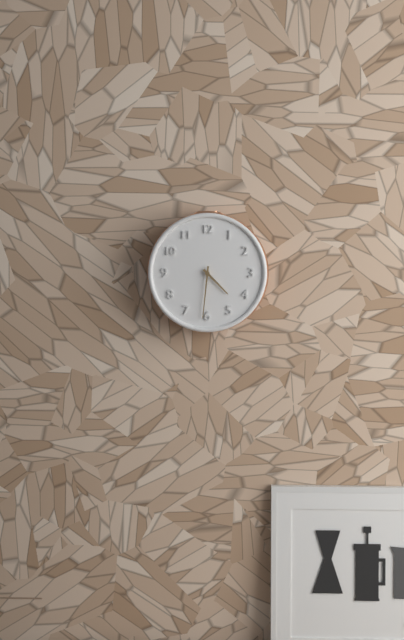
4:31
